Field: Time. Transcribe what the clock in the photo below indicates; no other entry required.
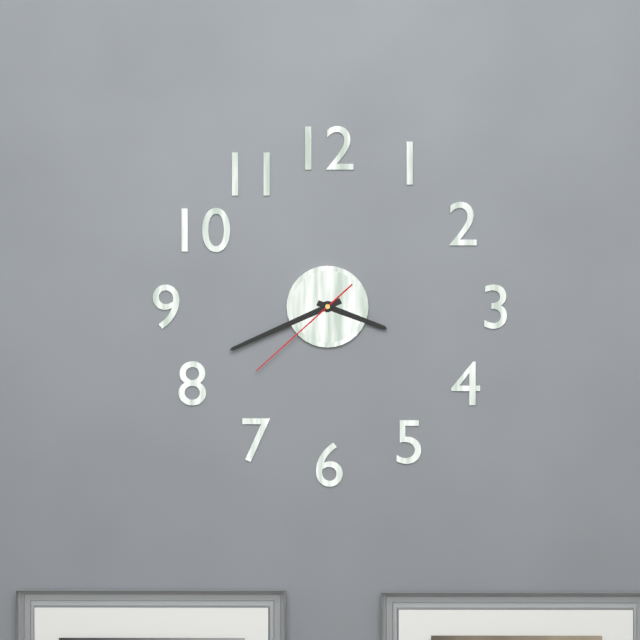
3:41:38
